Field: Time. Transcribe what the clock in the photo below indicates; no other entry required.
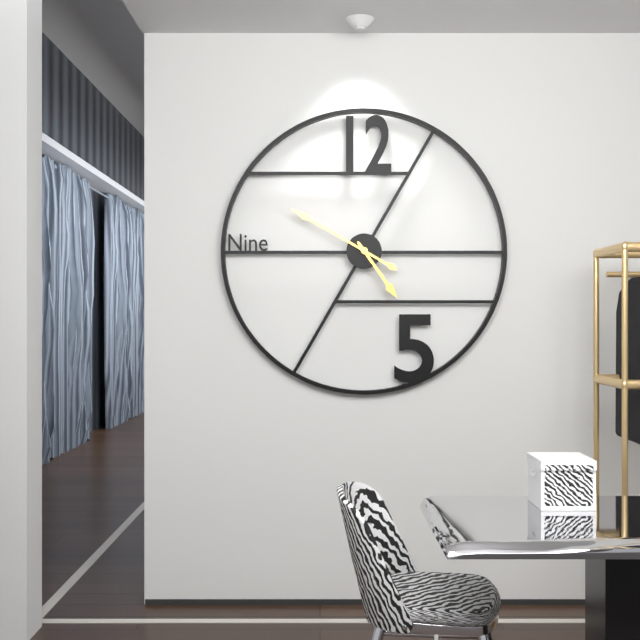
4:50
